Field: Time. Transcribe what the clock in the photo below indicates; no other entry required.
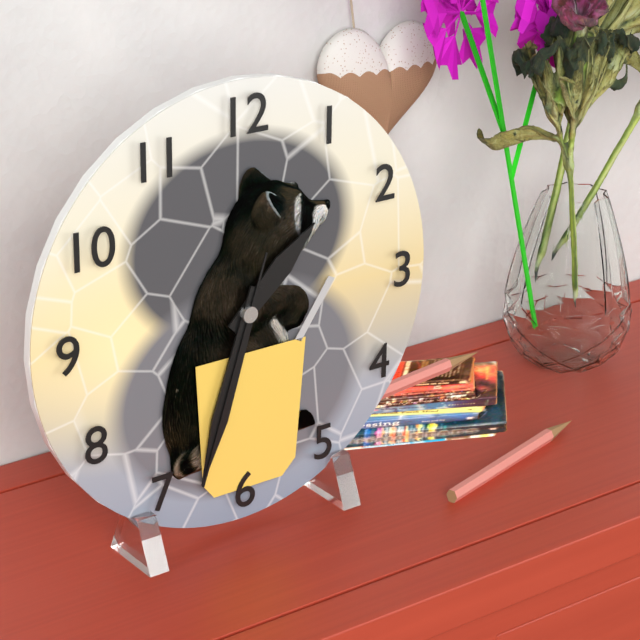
1:33:33
